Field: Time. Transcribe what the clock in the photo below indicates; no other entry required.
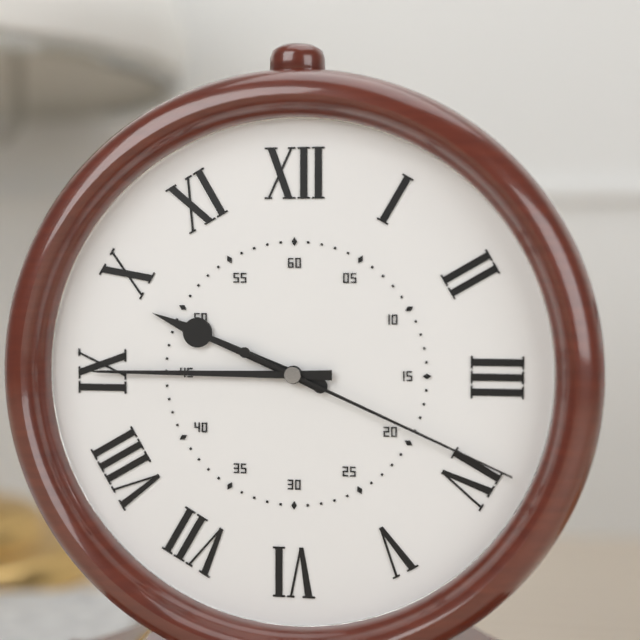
9:45:19
